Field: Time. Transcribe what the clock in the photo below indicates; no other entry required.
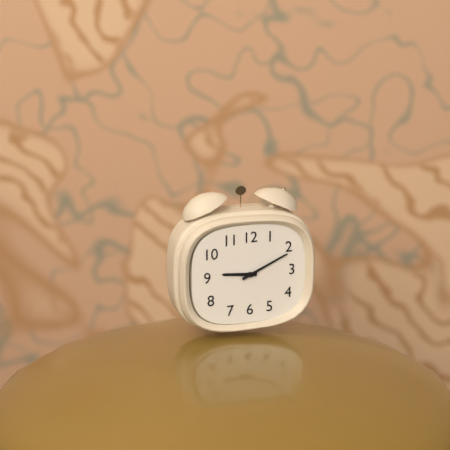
9:11
